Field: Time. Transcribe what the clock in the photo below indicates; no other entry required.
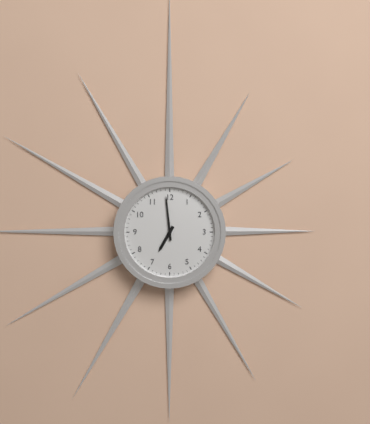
6:59
